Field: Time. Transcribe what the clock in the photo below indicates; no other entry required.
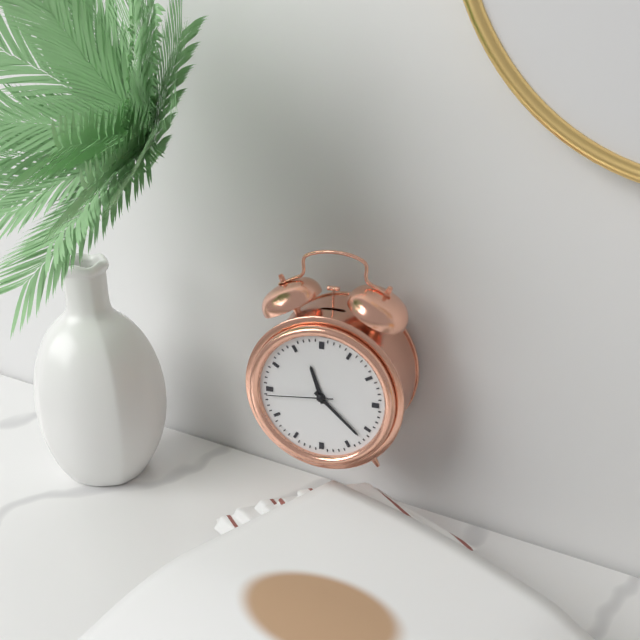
11:22:44
